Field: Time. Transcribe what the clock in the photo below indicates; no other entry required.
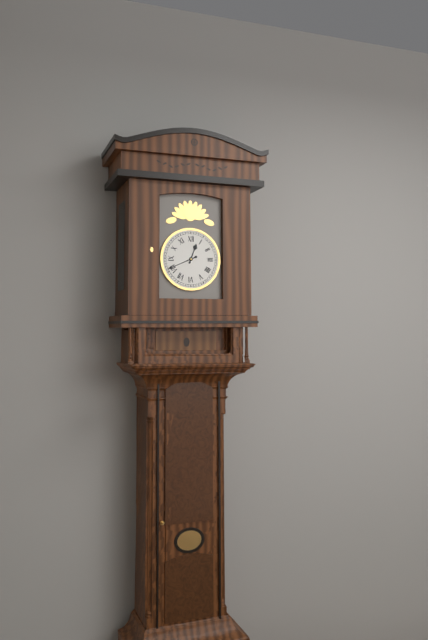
12:41
